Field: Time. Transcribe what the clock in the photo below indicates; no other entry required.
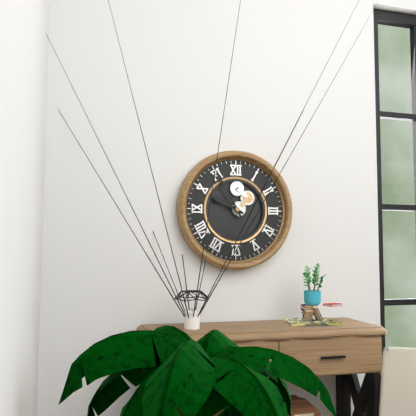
9:55
